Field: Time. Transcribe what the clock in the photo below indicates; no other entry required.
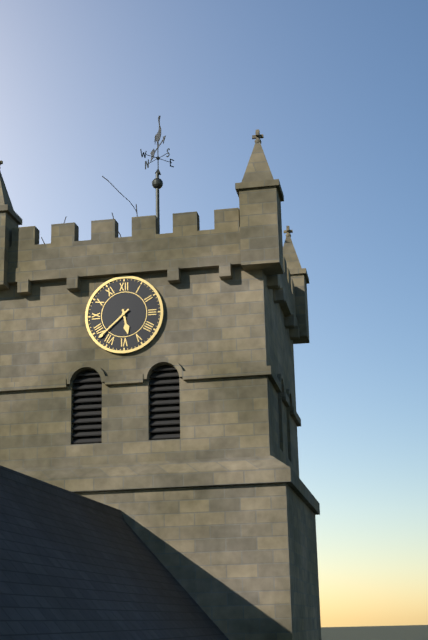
5:38
